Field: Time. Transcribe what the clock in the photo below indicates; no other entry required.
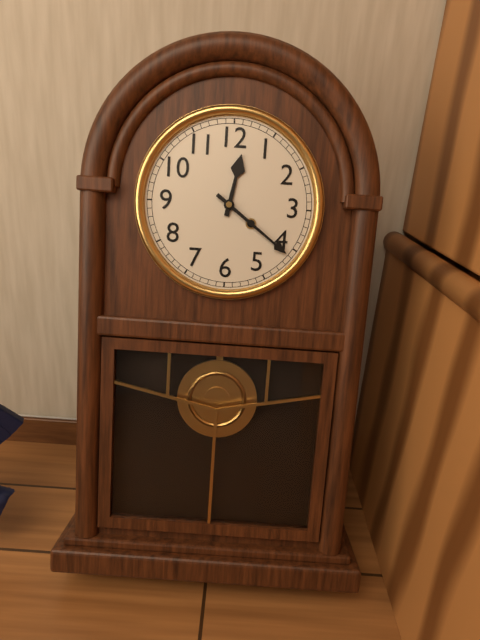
12:21
